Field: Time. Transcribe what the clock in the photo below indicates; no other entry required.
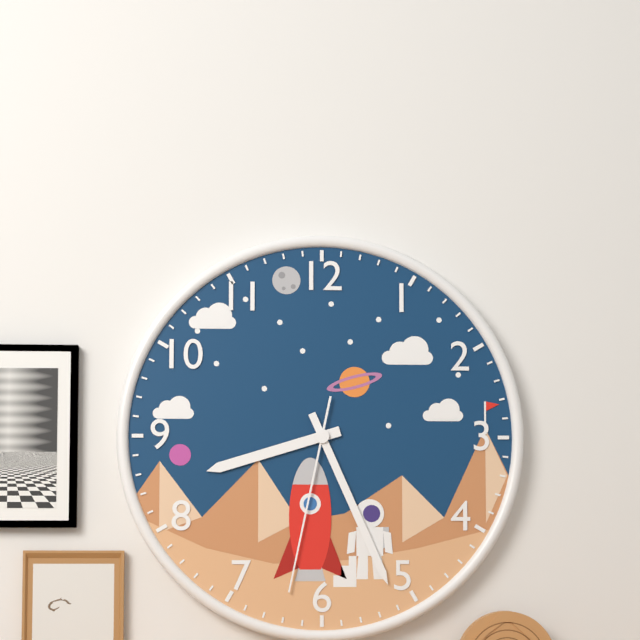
8:26:32
